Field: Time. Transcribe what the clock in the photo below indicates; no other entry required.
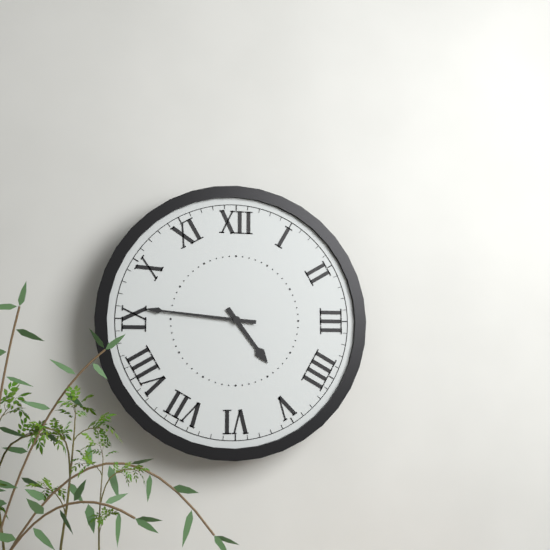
4:46
